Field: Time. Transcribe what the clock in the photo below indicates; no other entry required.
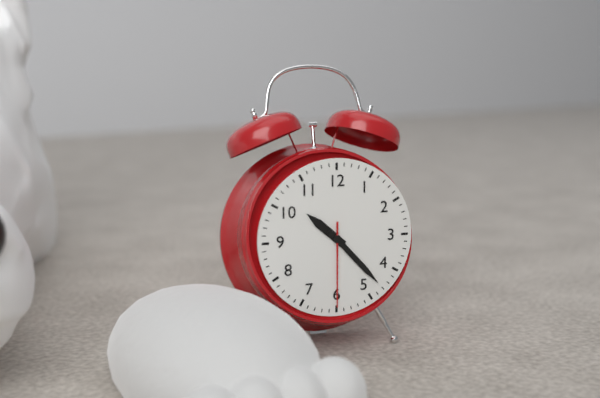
10:23:30
